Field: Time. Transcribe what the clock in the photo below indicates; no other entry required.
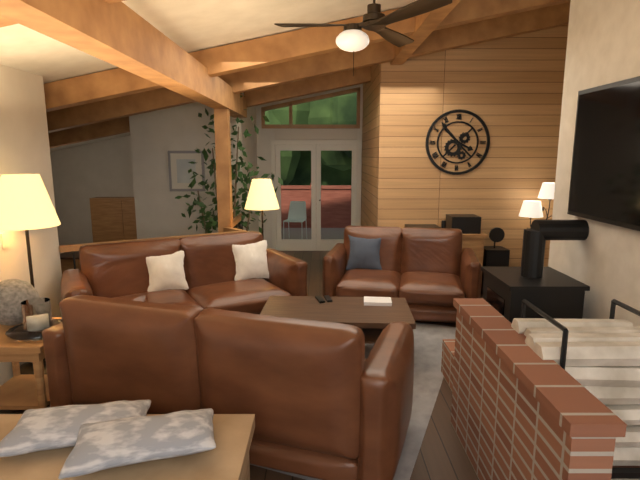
3:53
